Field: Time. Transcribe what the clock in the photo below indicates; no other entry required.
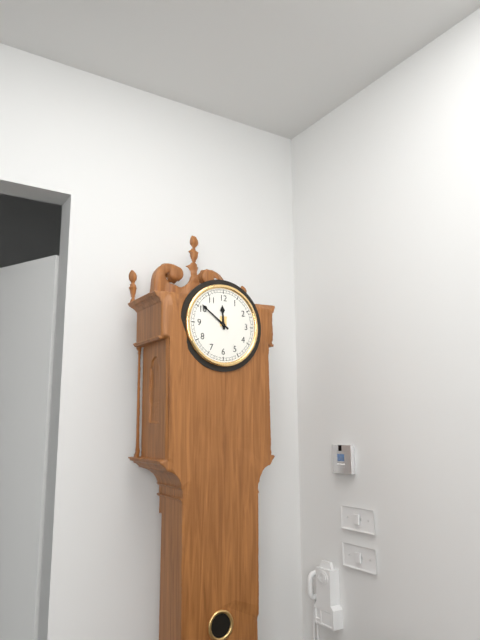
11:51
